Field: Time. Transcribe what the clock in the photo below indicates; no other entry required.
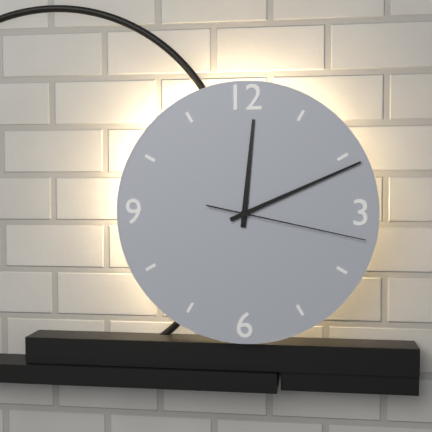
12:11:17
